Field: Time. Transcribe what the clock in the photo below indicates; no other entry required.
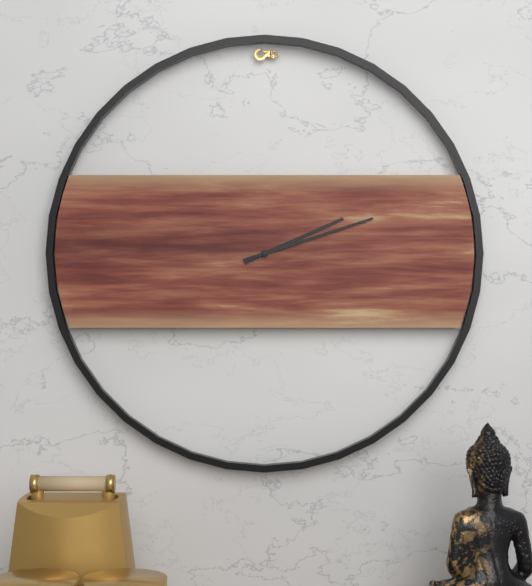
2:12
